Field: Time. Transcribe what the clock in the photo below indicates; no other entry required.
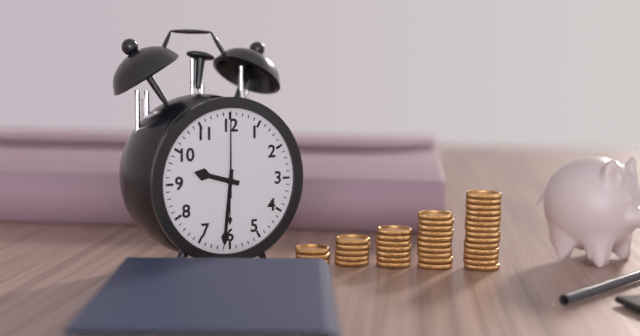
9:31:00
